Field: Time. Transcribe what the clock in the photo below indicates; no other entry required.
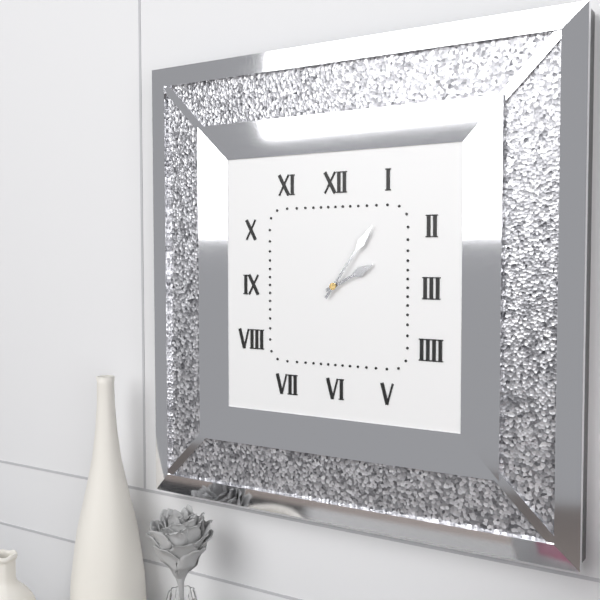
2:06
